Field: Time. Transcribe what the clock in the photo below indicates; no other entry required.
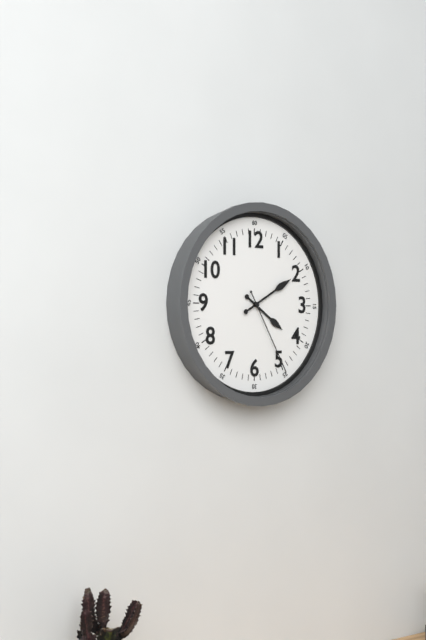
4:10:25
